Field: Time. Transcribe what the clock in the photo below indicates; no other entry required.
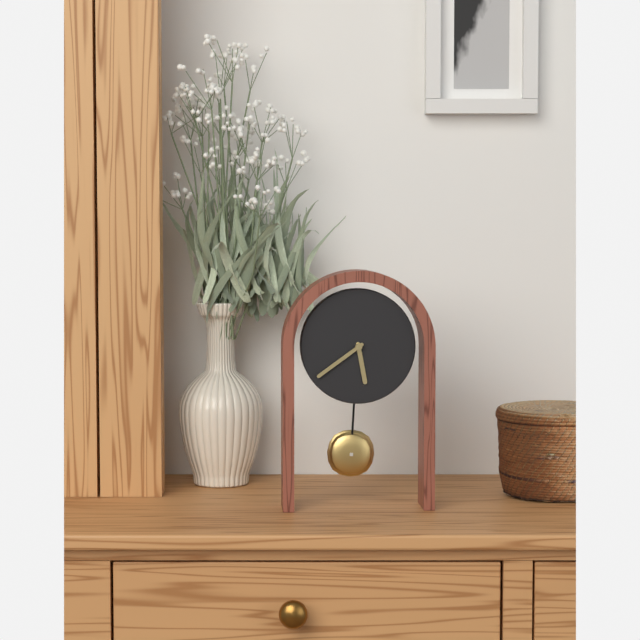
5:39
